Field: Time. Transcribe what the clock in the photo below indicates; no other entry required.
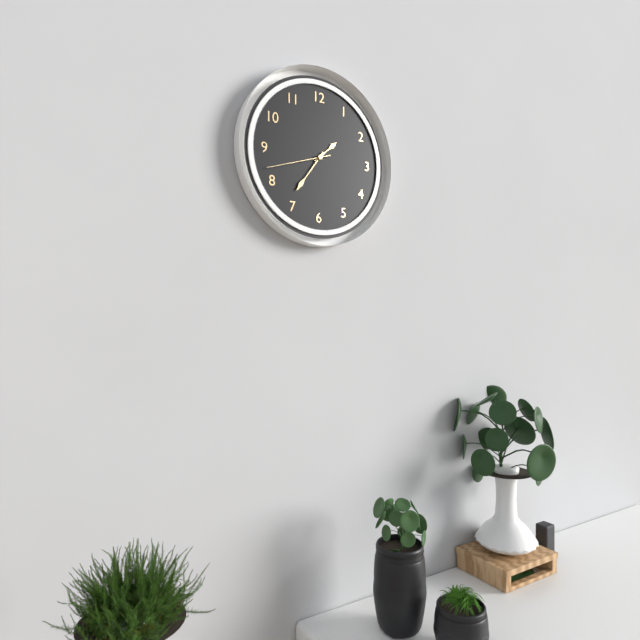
1:36:42
